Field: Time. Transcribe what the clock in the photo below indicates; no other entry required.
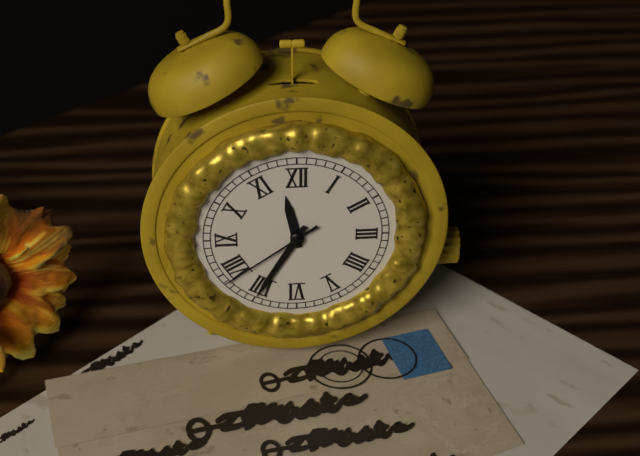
11:35:39
